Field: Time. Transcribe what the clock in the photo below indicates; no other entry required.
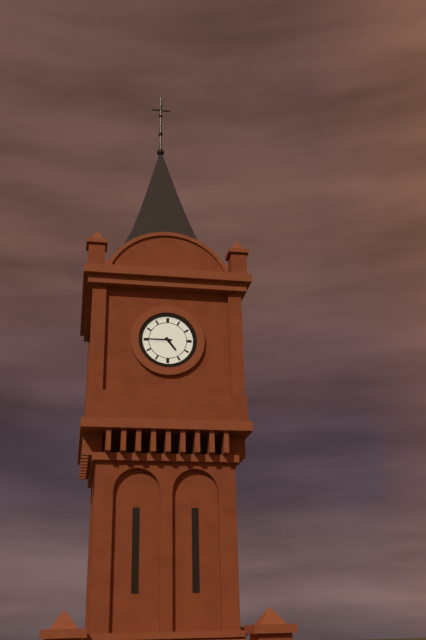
4:45
